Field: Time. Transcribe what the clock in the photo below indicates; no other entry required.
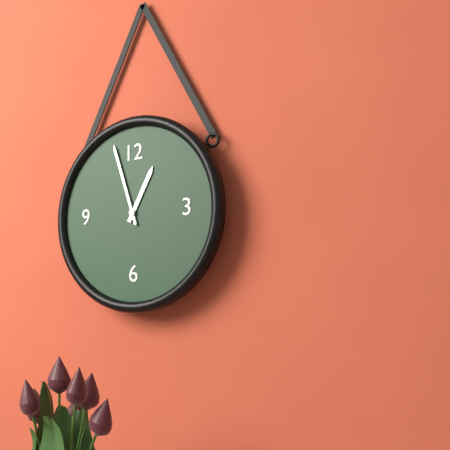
12:57
